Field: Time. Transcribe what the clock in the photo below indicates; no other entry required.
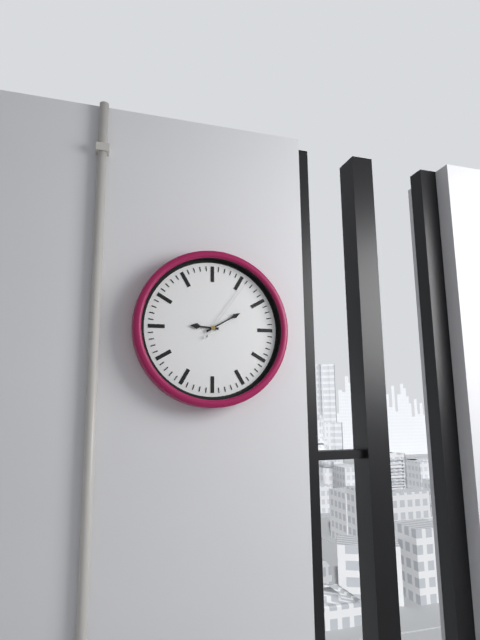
9:10:06
